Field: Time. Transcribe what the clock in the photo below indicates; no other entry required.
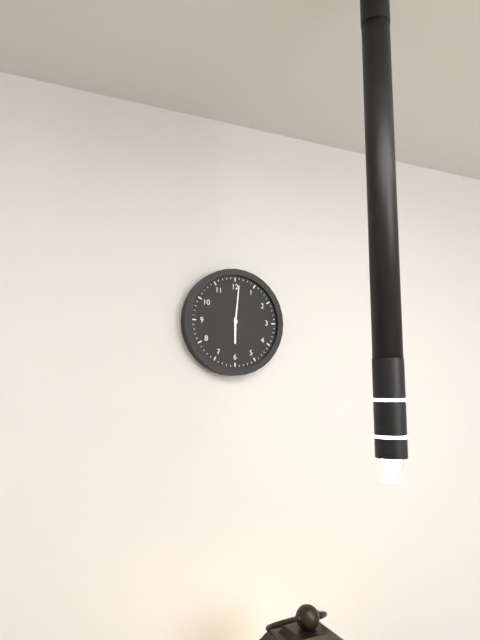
6:01
